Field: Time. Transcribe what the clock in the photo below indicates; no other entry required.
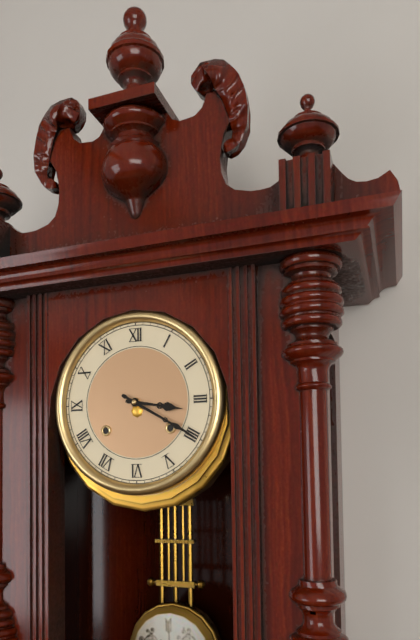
3:20
